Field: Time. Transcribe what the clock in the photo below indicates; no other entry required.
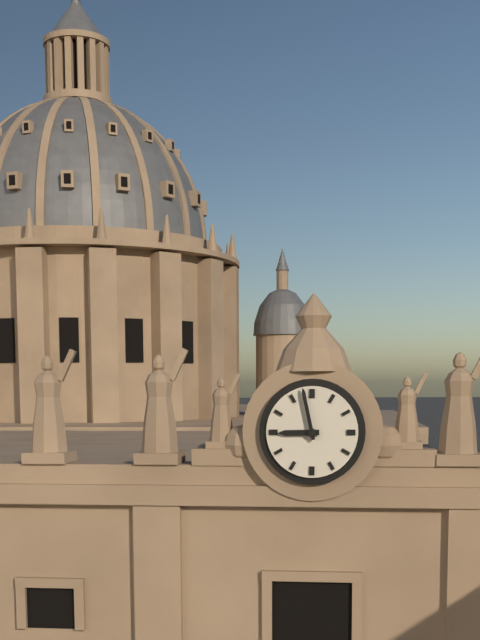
8:58
